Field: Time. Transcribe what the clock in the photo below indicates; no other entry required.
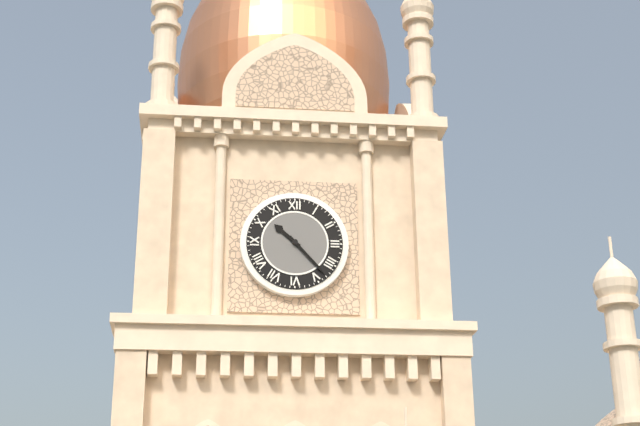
10:23
